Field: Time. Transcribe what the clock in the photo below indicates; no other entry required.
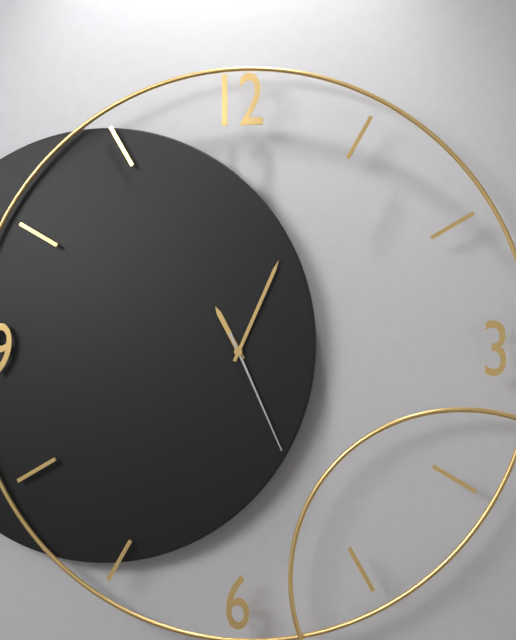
11:04:26
